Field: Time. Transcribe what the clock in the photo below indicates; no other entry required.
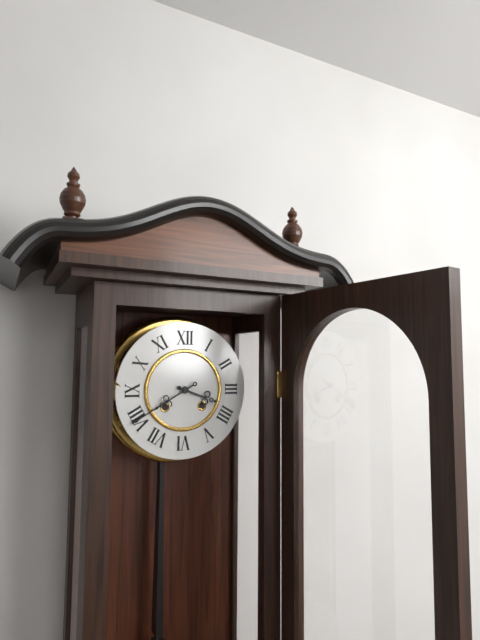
3:40
